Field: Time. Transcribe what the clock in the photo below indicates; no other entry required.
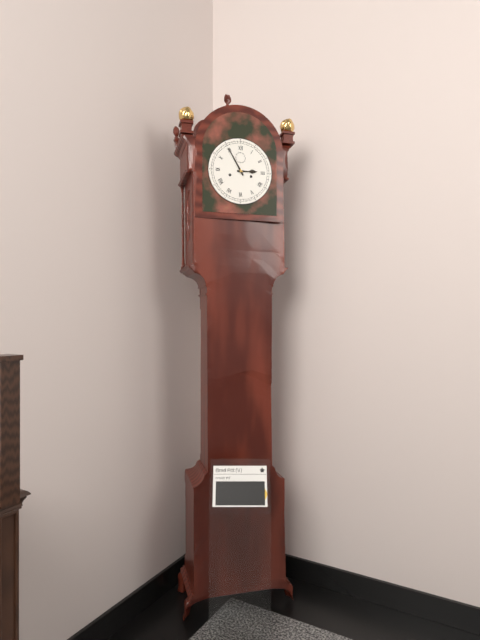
2:55
